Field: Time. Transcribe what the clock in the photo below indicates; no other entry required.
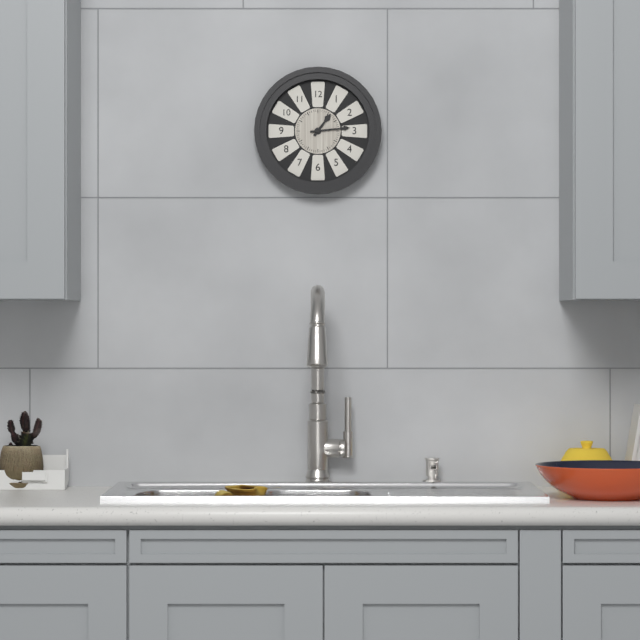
1:14
